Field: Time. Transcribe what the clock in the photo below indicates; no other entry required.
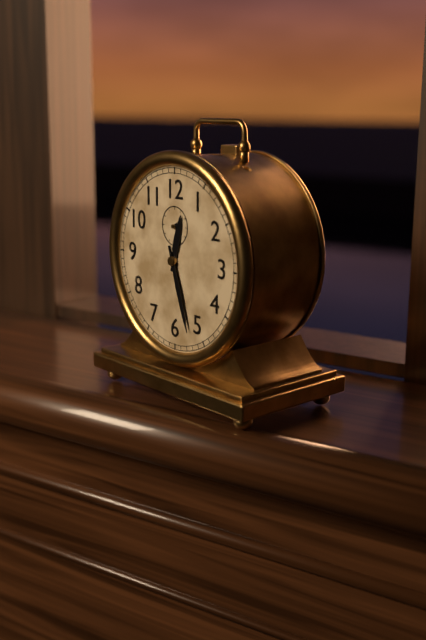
12:27
